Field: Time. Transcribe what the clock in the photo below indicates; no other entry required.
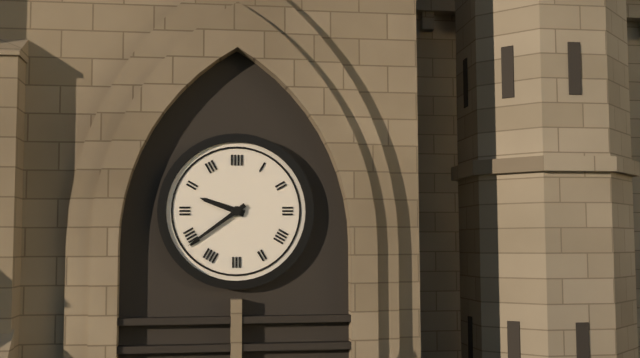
9:39
